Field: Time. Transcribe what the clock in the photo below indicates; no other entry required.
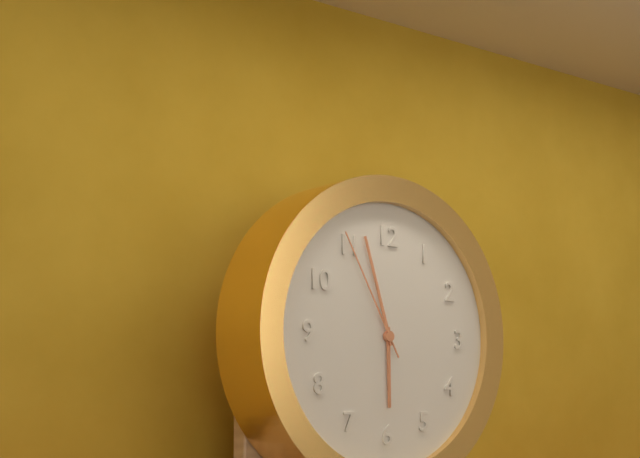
5:57:55
